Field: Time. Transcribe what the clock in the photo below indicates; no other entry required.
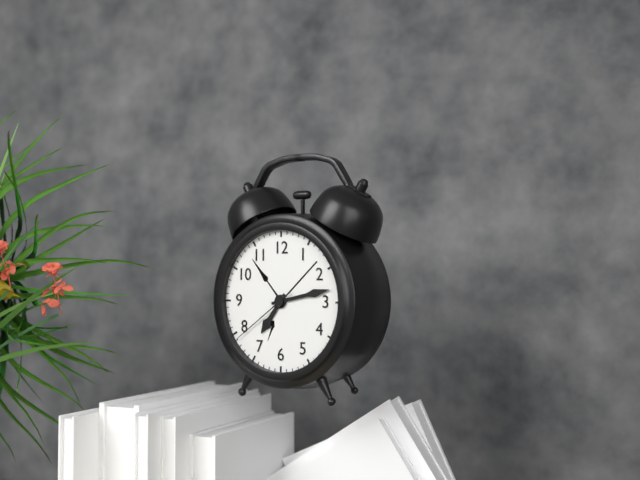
7:13:39
